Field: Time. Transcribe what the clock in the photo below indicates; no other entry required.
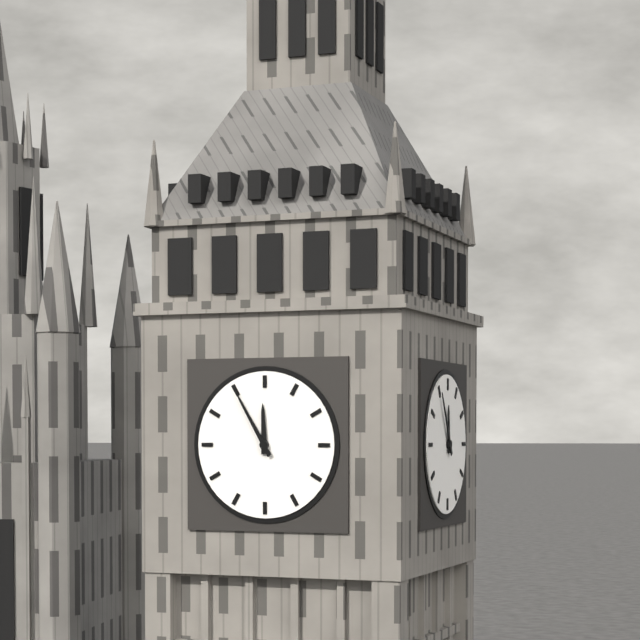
11:55
